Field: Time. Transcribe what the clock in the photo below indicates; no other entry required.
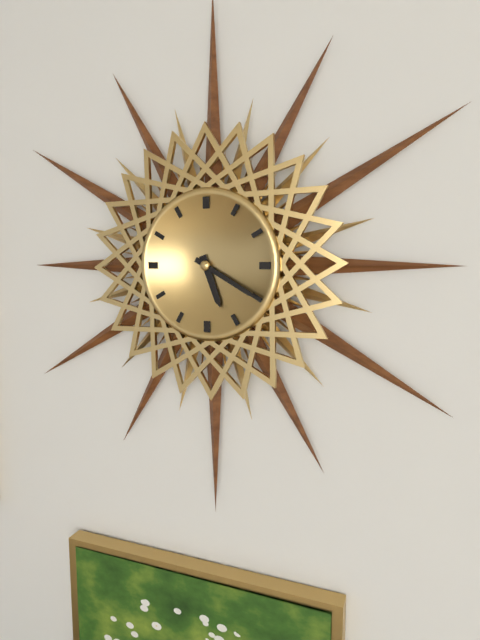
5:20
